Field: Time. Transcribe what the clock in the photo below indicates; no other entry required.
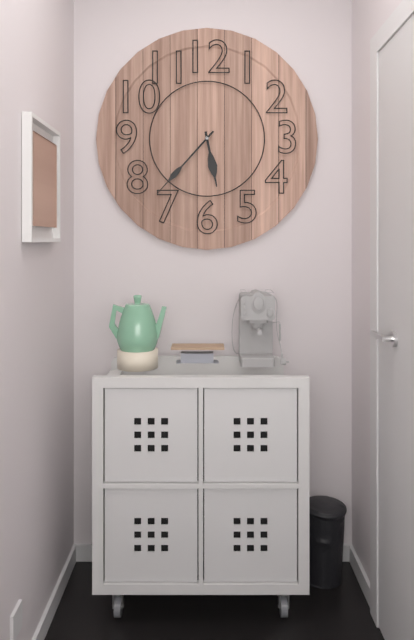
5:37
